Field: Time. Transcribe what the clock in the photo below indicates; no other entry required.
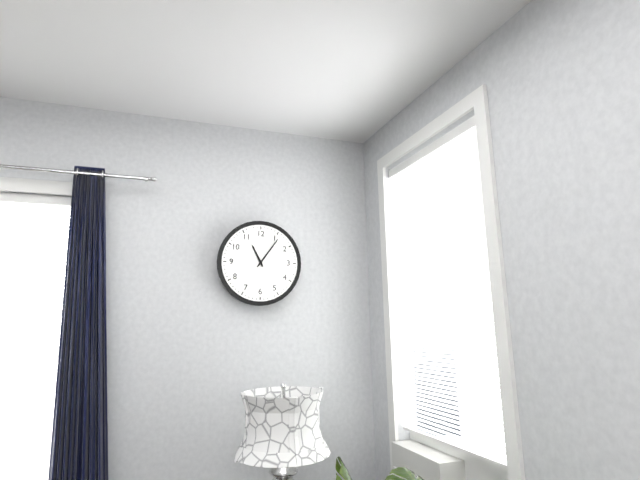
11:06
